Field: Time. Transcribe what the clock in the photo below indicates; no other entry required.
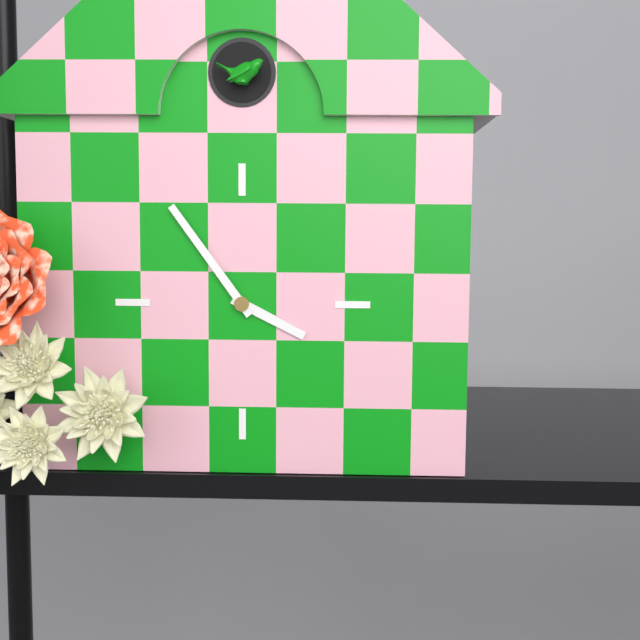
3:54
